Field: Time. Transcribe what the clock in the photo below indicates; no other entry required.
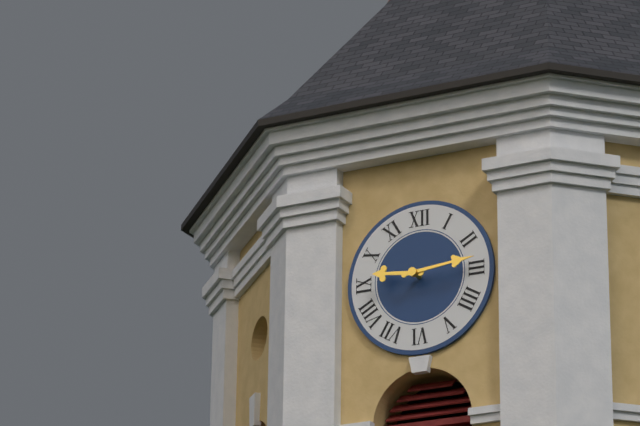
9:14
